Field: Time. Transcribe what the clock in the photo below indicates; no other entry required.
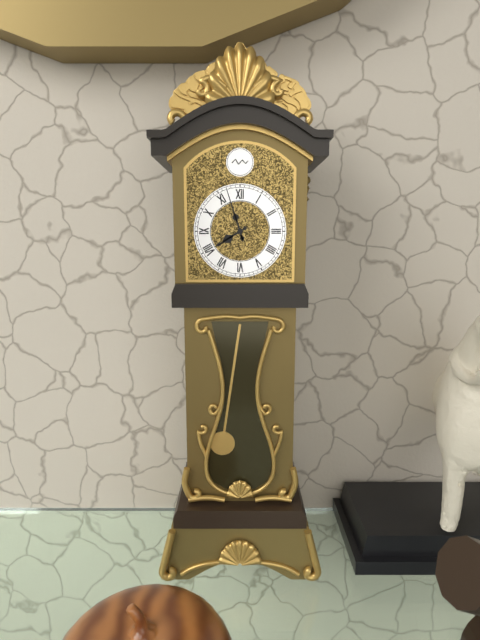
7:57
